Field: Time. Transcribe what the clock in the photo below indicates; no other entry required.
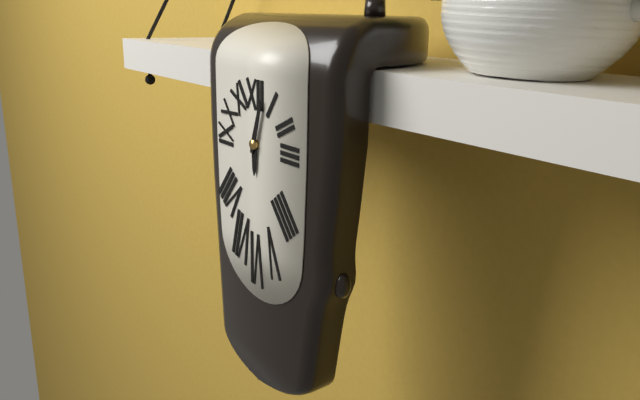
6:03
